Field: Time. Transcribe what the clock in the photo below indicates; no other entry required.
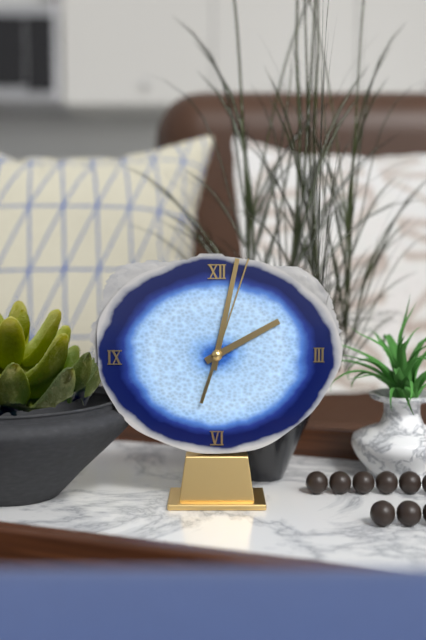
2:02:03
